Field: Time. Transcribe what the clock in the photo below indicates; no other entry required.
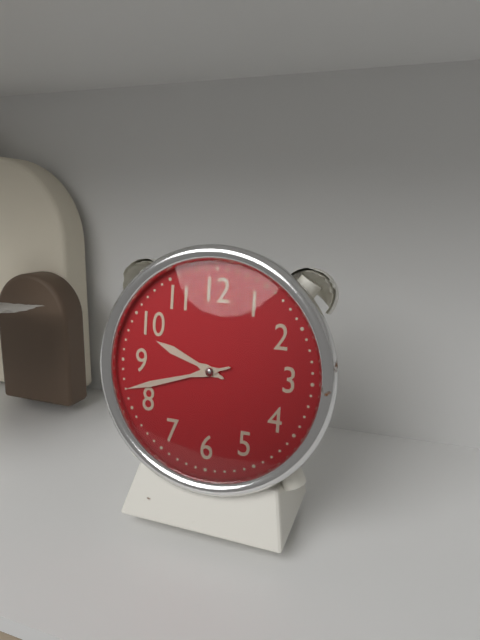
9:42
